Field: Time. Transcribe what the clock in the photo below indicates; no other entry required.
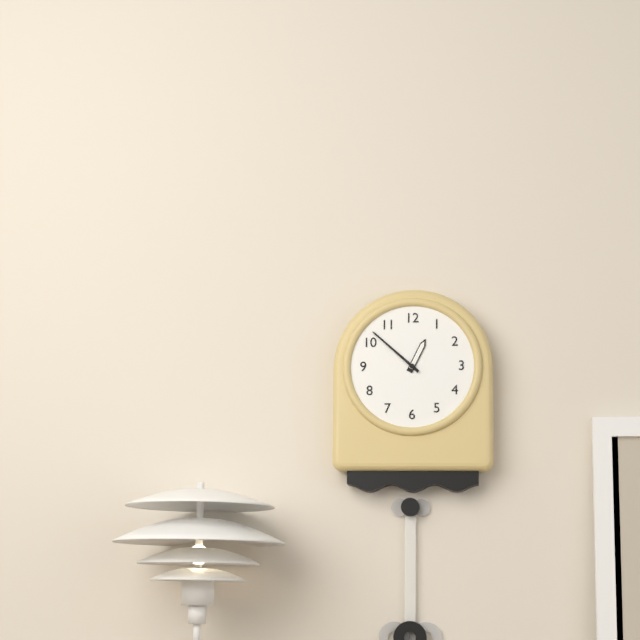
12:52
